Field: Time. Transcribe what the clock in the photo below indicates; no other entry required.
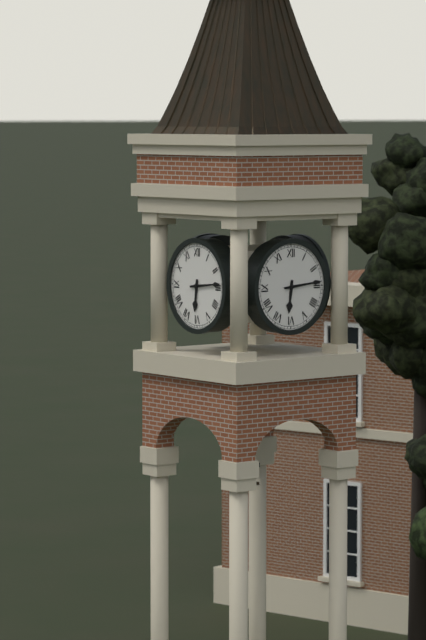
6:14
